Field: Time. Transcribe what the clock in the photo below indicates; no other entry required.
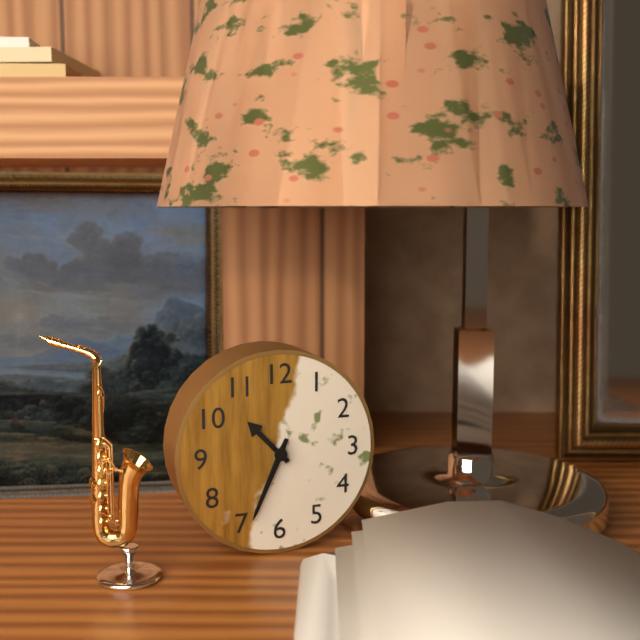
10:34
